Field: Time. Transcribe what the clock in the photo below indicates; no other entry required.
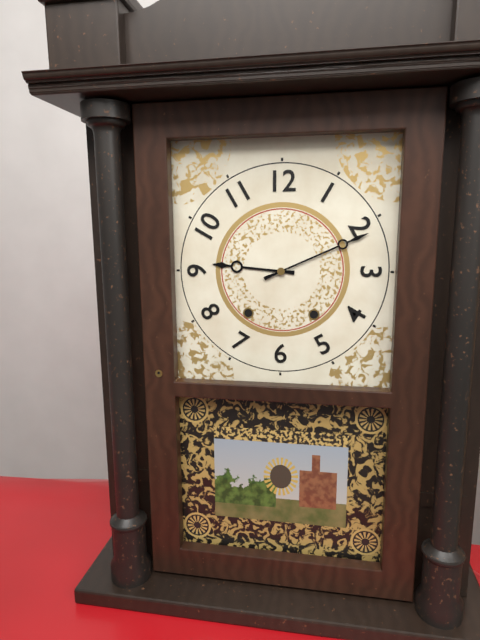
9:11
